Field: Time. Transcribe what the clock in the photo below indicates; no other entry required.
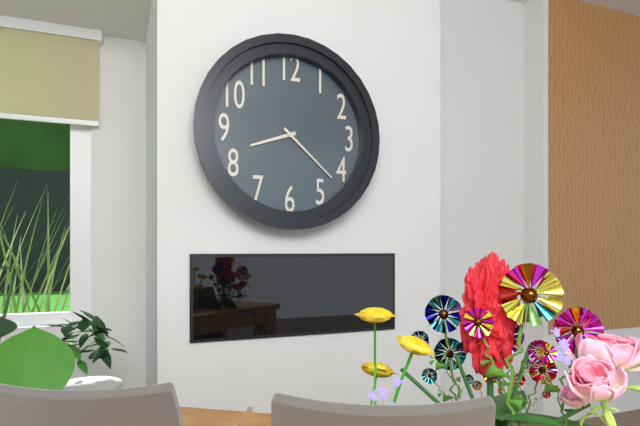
8:22
